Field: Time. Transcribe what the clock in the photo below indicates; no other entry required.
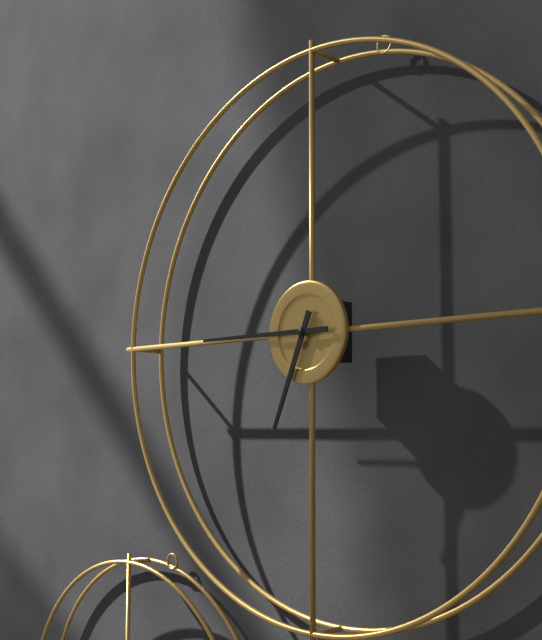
6:45
